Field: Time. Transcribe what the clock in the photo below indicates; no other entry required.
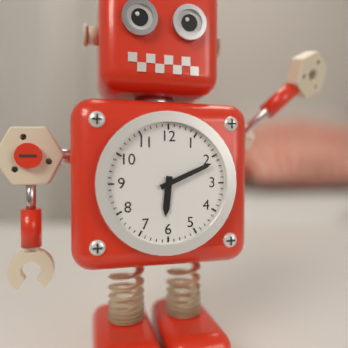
6:11
